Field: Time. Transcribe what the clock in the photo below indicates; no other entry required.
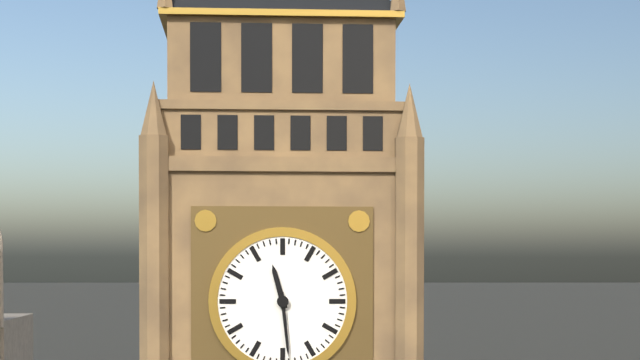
11:29
